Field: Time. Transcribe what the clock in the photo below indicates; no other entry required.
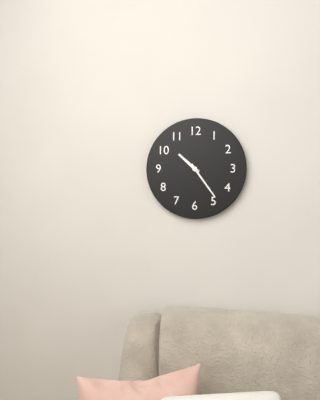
10:24
